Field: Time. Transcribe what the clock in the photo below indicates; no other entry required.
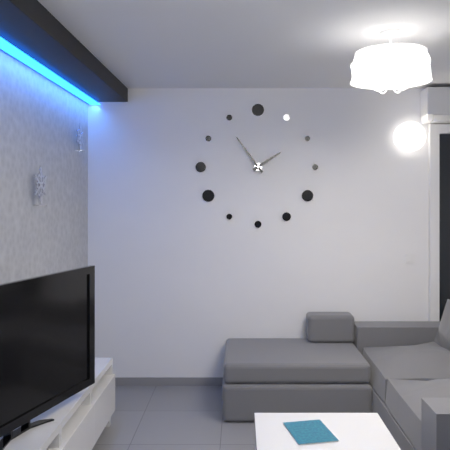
1:54
